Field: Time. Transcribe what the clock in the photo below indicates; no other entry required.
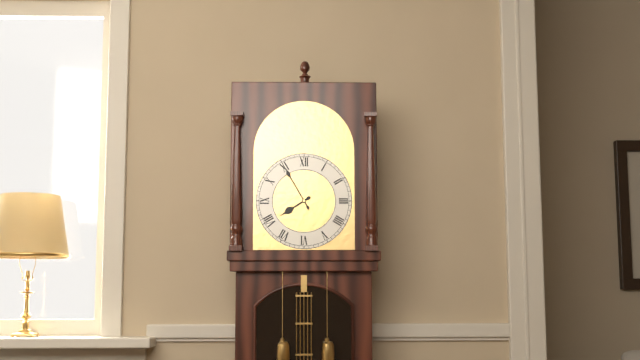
7:55
